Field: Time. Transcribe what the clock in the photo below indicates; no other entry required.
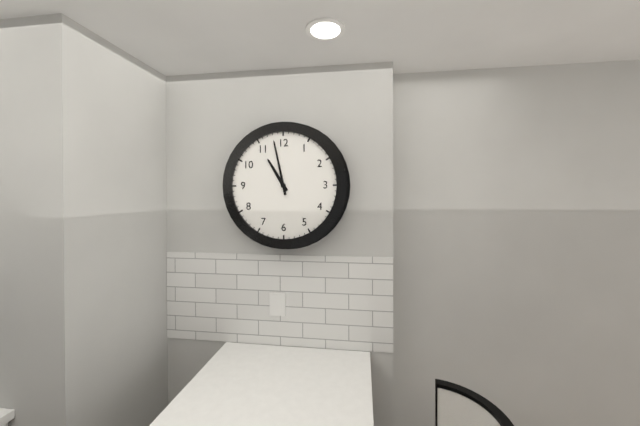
10:58
